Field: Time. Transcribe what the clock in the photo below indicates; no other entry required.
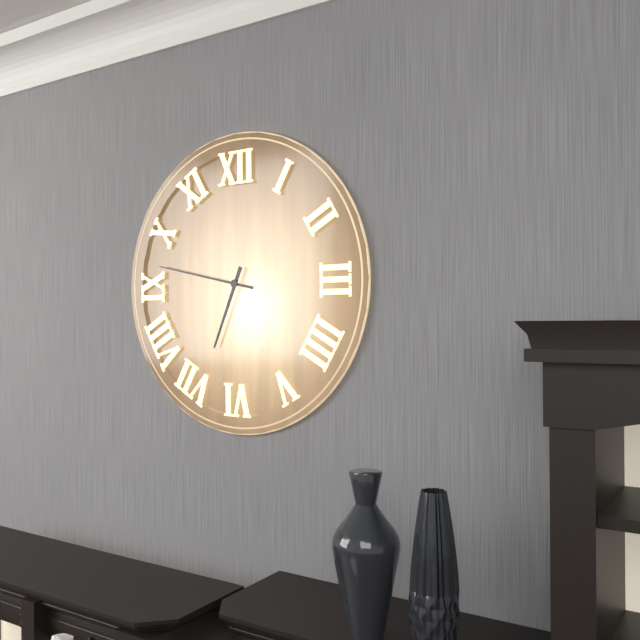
6:47
